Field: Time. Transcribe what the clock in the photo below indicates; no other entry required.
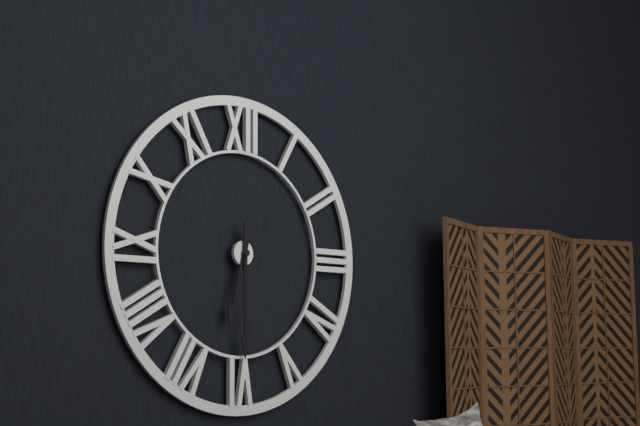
6:30
